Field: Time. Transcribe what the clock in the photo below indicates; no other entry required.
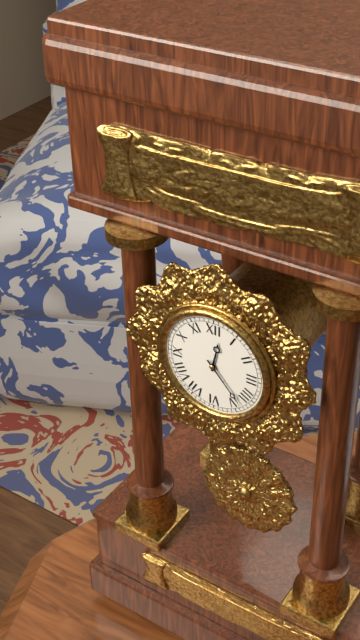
12:23
